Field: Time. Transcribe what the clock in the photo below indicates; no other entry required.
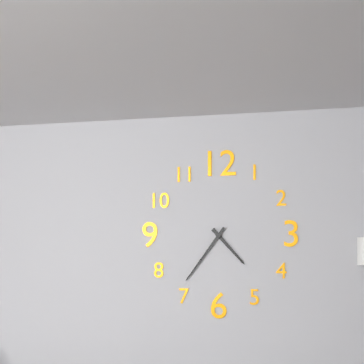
4:36
